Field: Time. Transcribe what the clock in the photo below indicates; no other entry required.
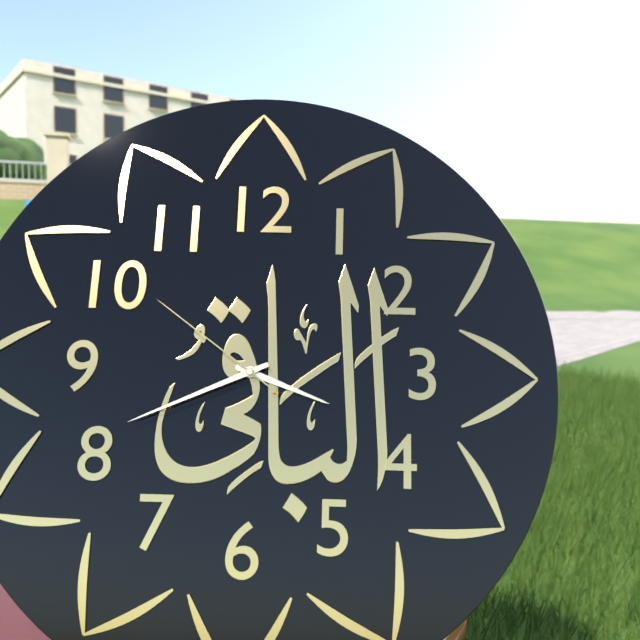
3:41:51
